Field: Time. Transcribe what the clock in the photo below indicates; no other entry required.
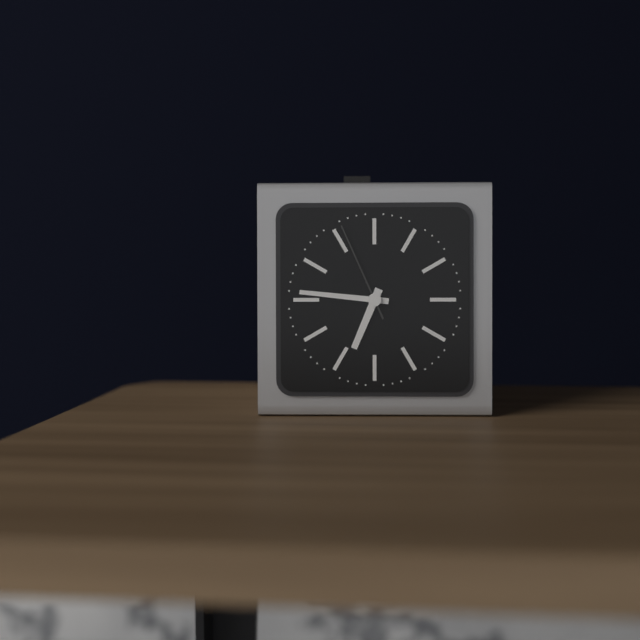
6:46:56
